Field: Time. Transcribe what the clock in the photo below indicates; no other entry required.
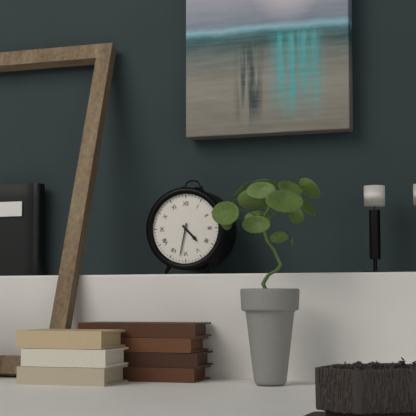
4:32
